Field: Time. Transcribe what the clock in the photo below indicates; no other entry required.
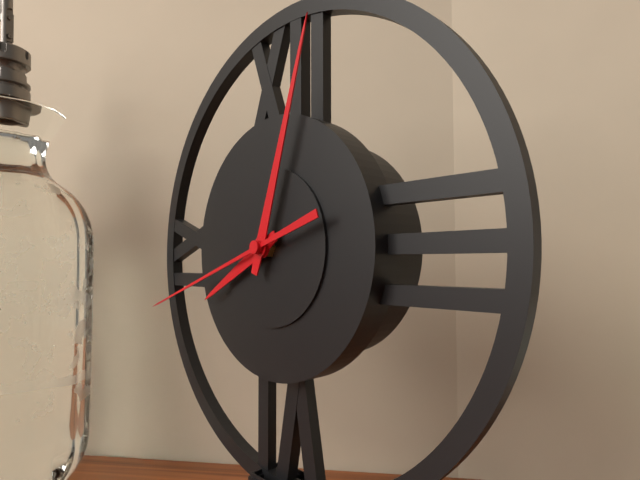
8:03:42
